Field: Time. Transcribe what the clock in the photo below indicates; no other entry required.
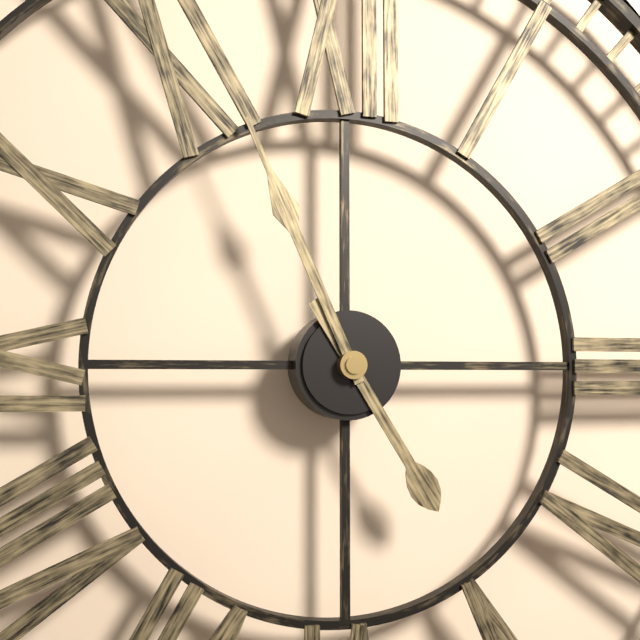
4:56
